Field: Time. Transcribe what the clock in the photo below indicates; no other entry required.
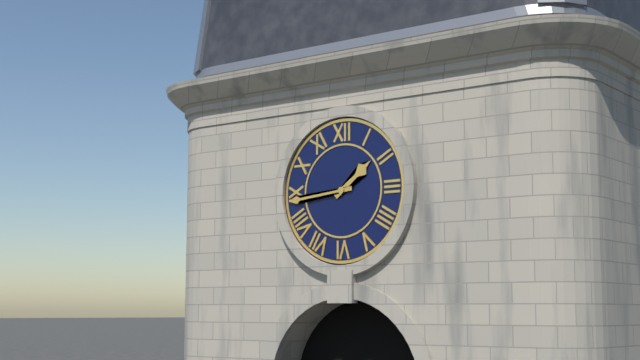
1:44
